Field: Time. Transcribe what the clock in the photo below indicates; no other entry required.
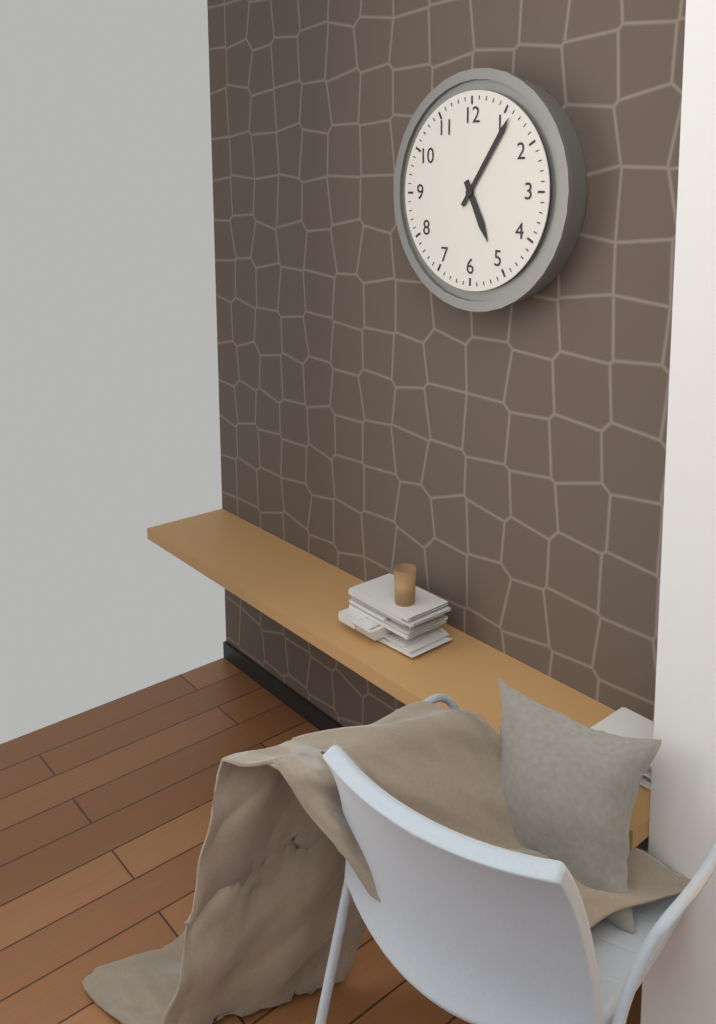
5:06
